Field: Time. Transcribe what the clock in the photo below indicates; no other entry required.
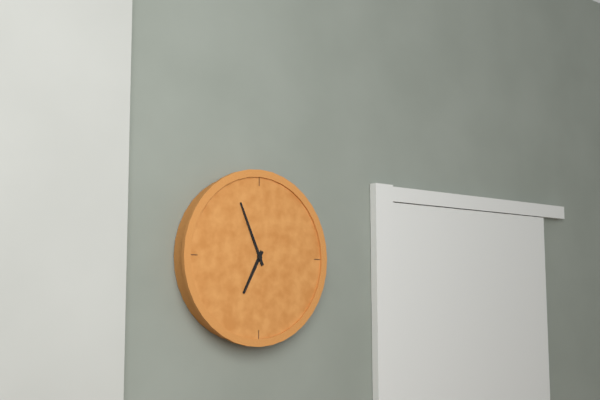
6:56
